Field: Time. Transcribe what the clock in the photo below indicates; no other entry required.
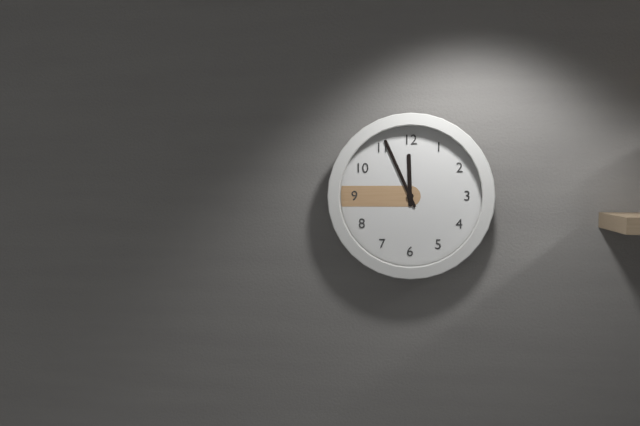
11:56
